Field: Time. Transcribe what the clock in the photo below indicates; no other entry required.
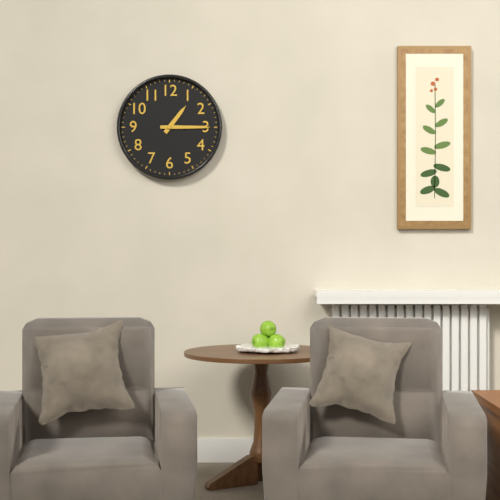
1:15
